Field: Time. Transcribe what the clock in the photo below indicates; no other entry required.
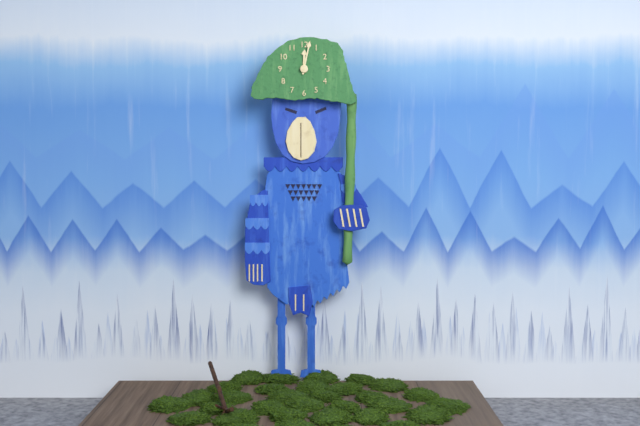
12:02
